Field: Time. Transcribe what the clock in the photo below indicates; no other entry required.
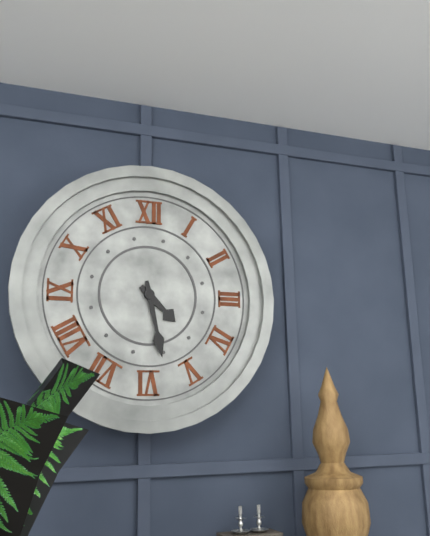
4:28
